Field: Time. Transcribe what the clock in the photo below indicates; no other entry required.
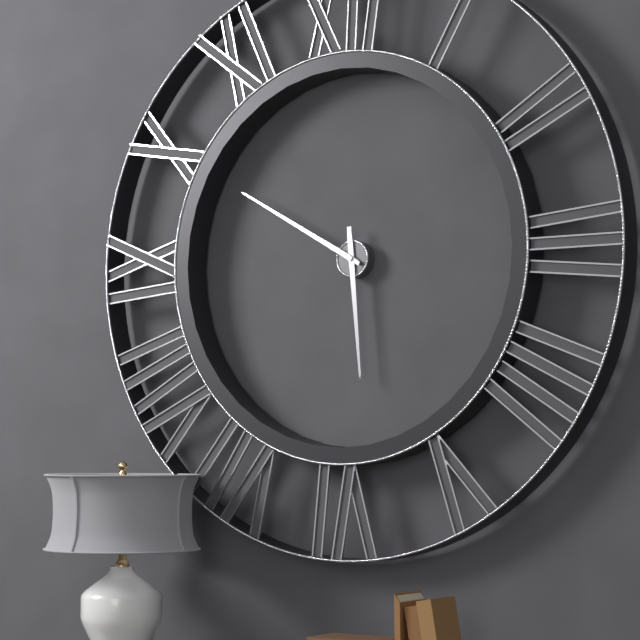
5:50
